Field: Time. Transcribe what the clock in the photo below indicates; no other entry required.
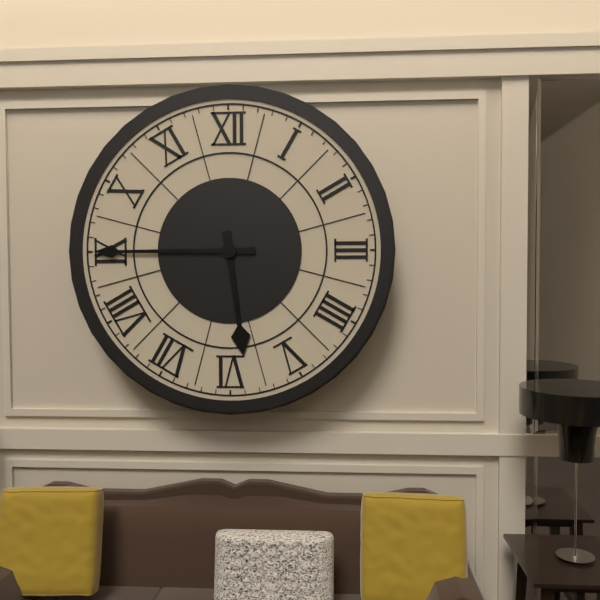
5:45
